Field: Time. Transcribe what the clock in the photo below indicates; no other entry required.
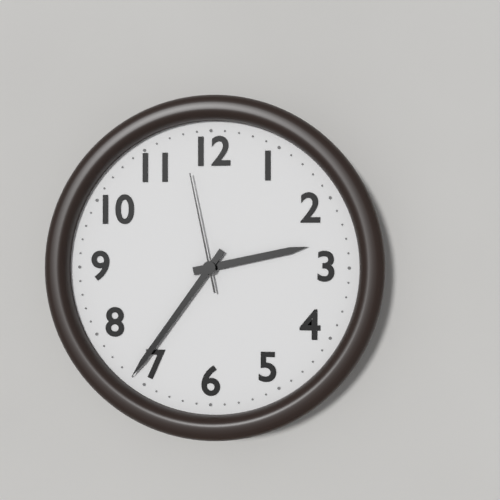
2:36:58
